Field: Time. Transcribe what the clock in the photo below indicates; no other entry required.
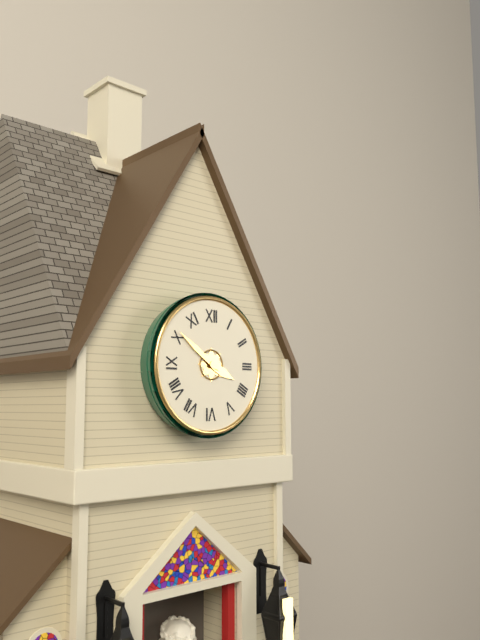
3:51
